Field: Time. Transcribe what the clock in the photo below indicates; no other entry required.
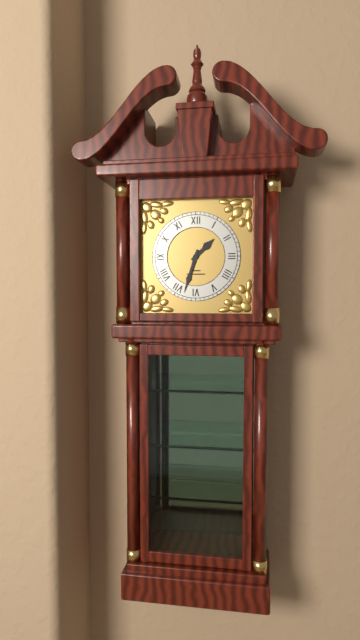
1:33
